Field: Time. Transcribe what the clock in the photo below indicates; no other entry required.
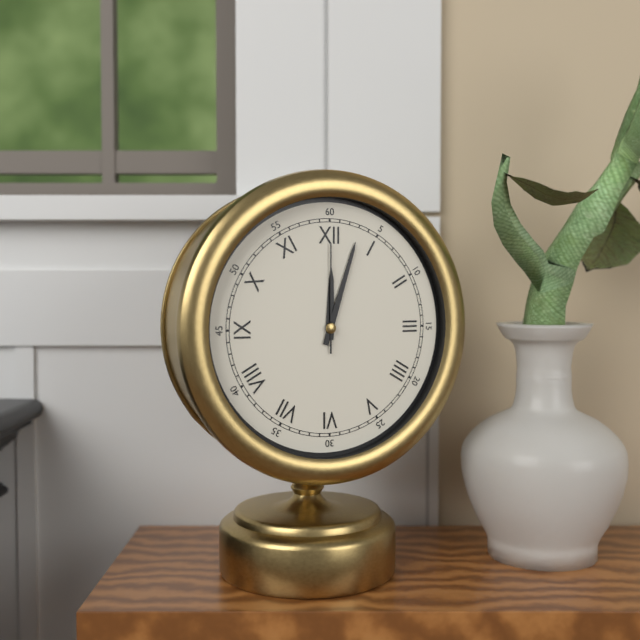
12:03:00
